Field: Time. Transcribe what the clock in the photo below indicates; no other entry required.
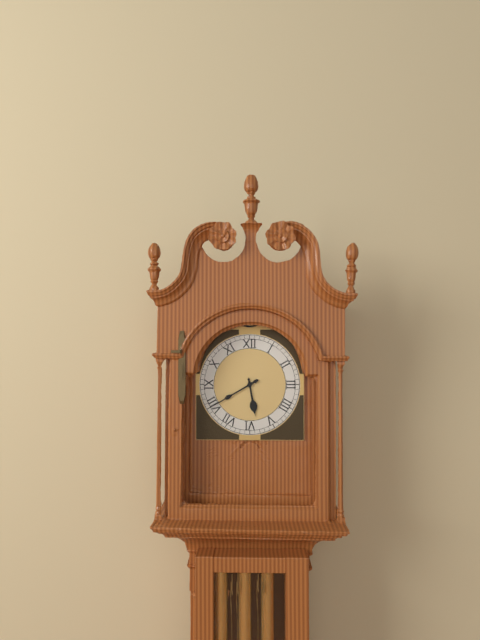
5:40
